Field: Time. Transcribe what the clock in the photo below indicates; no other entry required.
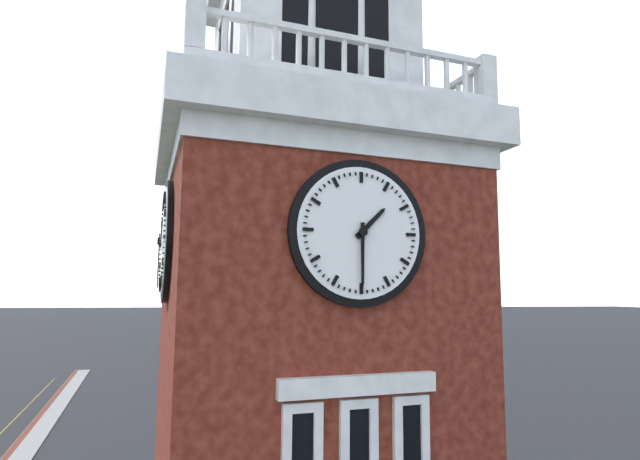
1:30
